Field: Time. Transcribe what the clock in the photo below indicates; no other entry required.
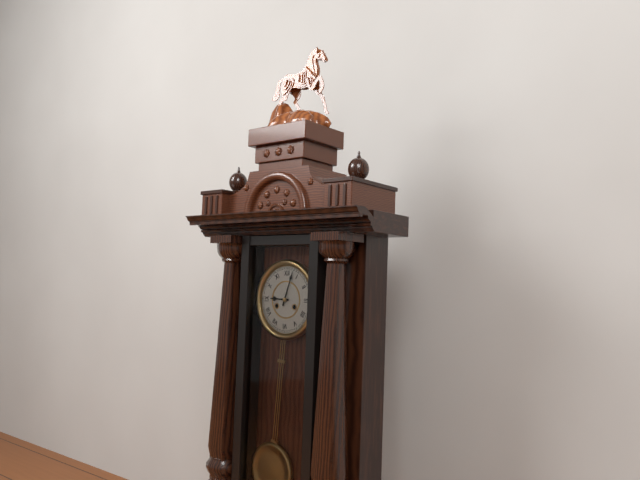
9:03
